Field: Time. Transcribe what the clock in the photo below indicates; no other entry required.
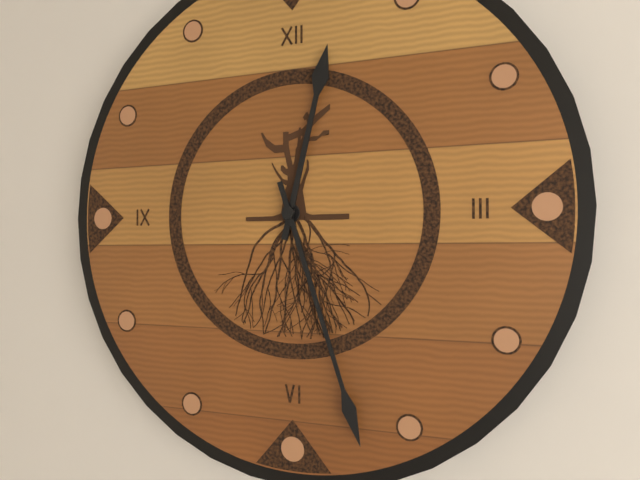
12:27
